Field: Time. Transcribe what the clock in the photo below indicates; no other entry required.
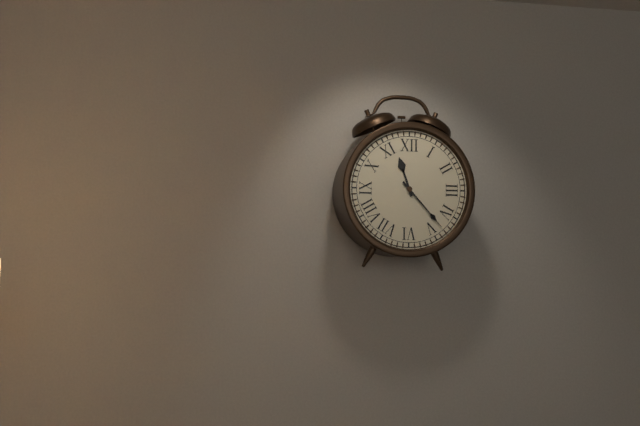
11:23
